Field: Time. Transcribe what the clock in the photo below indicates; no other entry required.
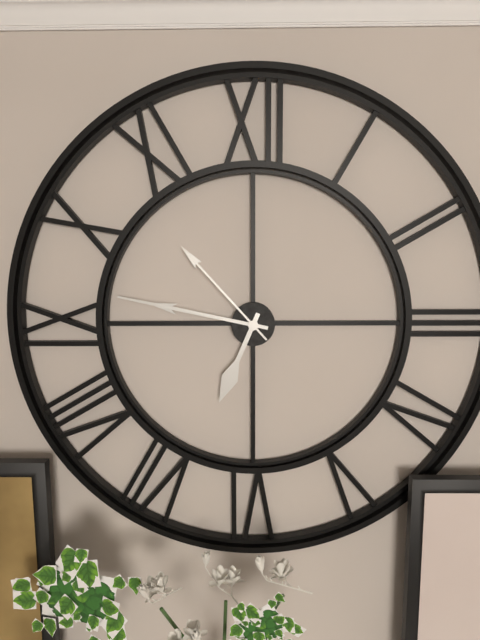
6:47:53
